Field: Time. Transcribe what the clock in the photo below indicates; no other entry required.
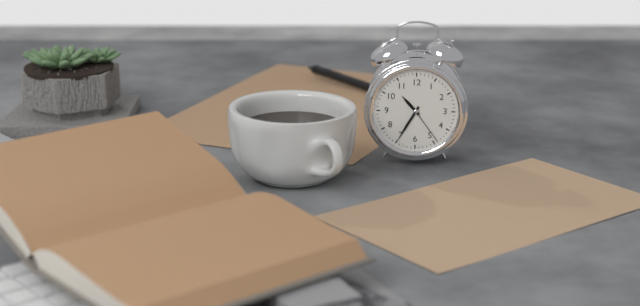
10:35
